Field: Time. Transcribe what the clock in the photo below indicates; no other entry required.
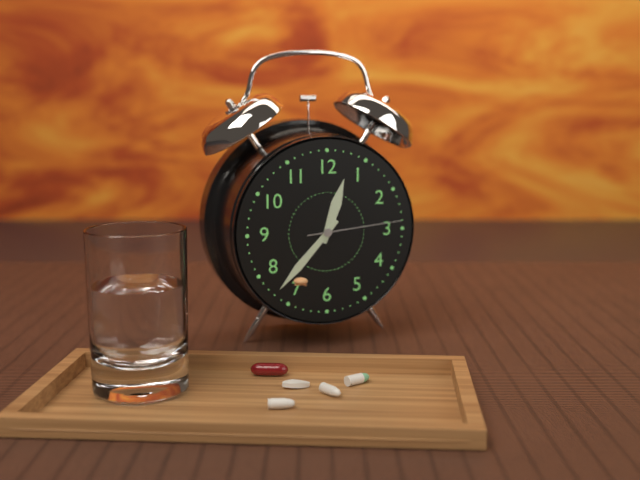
12:37:14
